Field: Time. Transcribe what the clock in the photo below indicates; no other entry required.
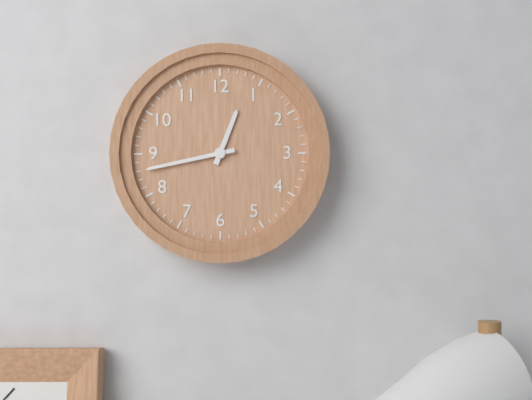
12:43
